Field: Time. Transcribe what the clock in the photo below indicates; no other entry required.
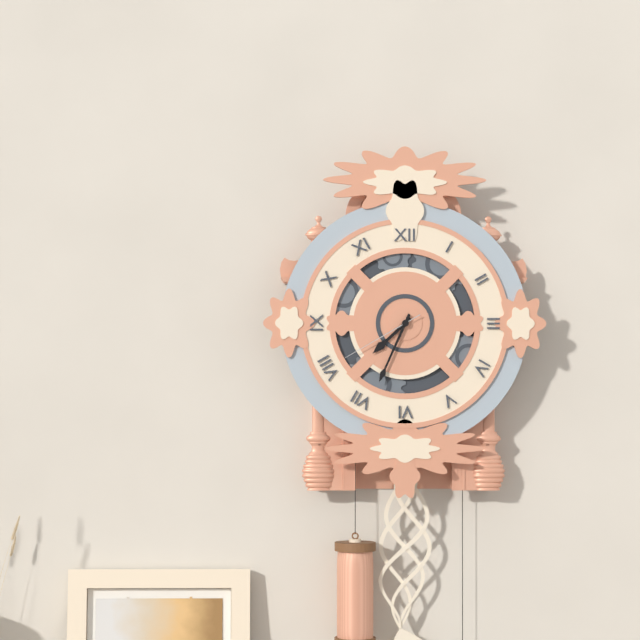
7:34:40
